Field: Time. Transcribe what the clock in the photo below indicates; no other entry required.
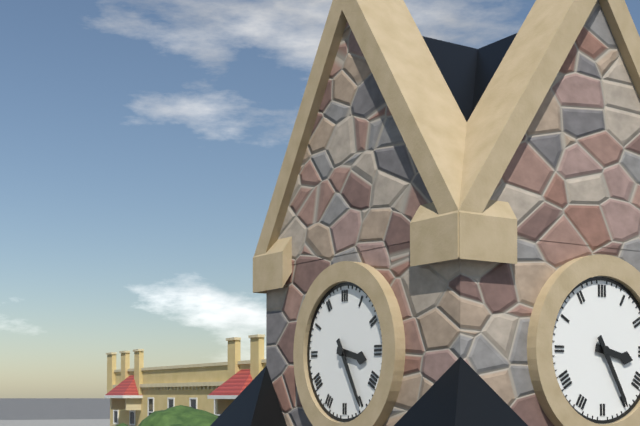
3:25
